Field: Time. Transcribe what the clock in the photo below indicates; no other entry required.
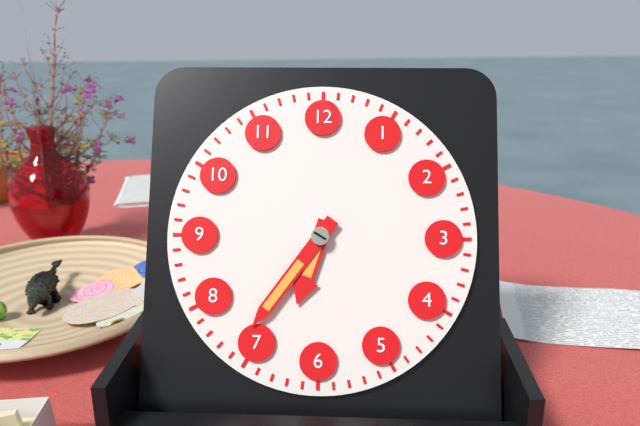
6:36
